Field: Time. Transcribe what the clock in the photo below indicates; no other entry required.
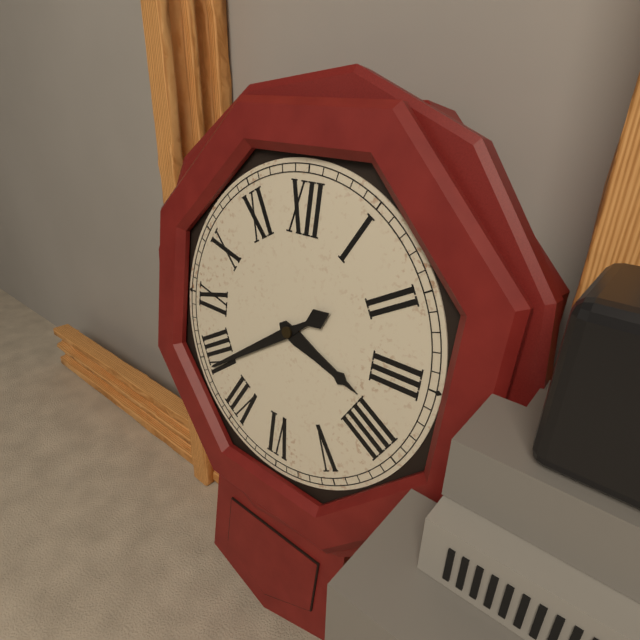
3:39
